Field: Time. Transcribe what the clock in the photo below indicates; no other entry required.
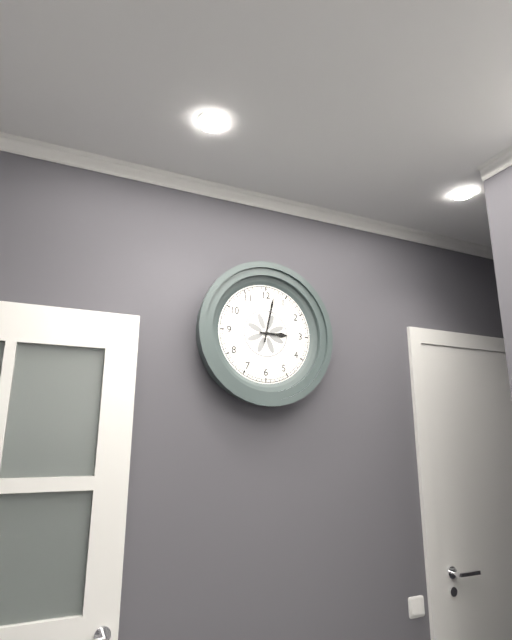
3:02
